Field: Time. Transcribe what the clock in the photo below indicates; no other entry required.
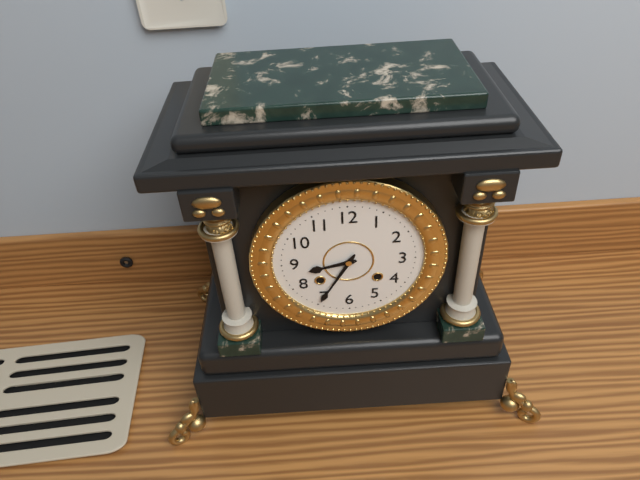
8:35
